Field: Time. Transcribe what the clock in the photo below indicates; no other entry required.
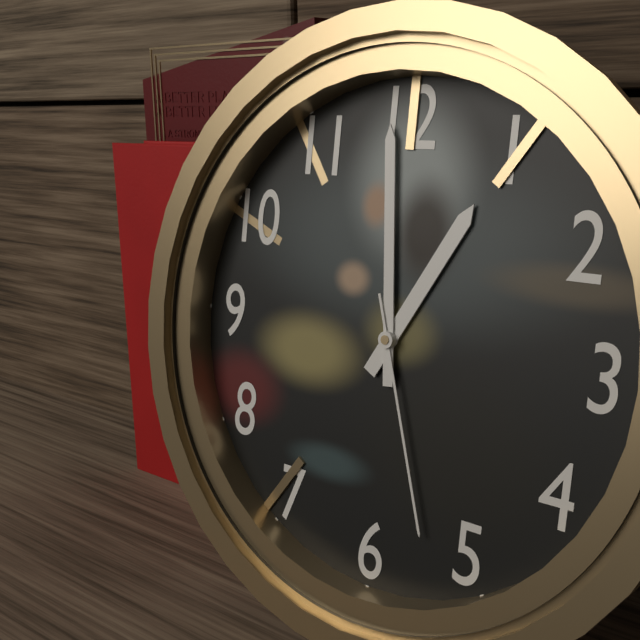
12:59:27
